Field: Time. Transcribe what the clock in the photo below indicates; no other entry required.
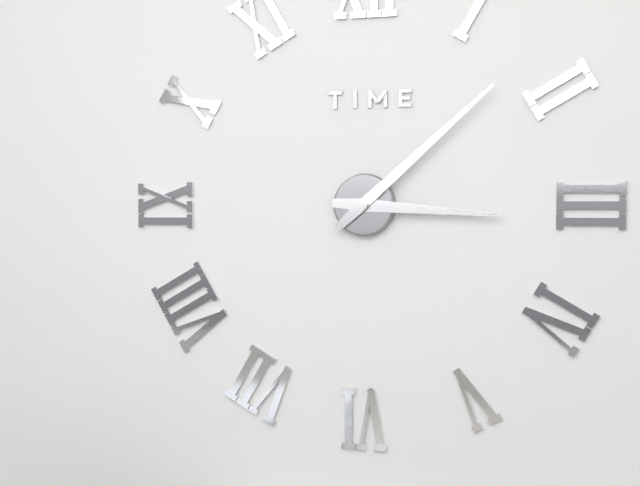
3:08
